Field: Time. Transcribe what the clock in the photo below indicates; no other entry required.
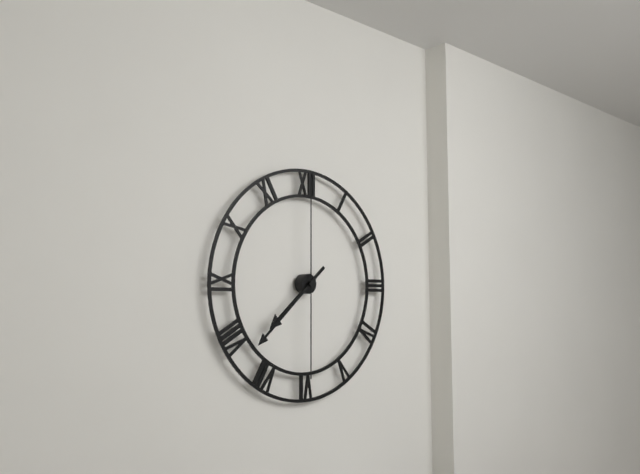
7:38:00
